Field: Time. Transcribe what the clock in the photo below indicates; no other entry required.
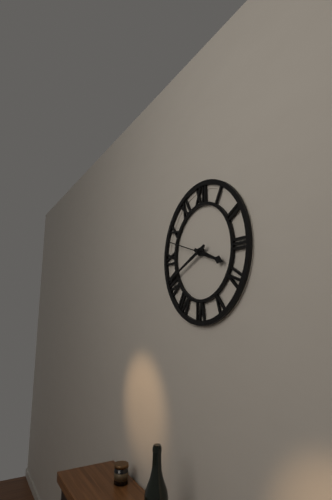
3:41
